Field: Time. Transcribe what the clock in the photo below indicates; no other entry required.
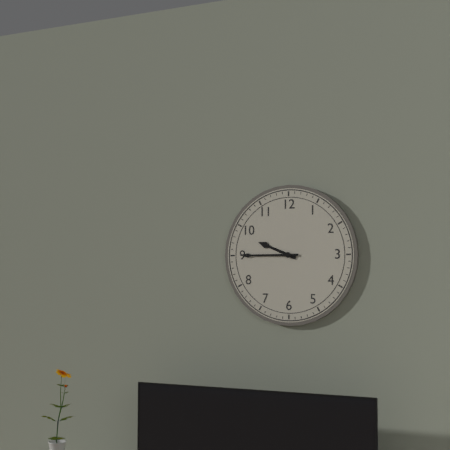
9:45
